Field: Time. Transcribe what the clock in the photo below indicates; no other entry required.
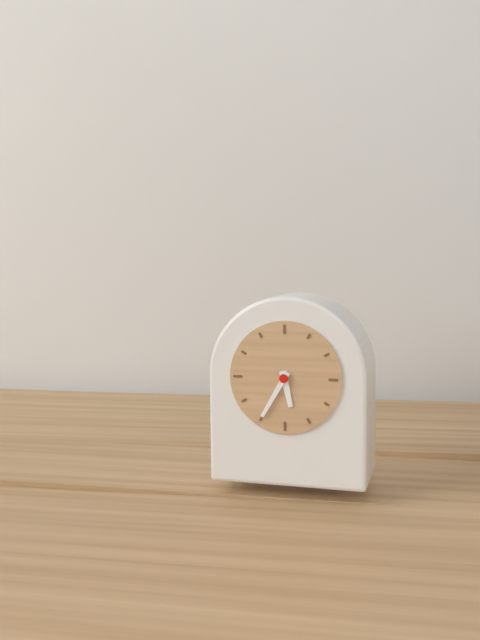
5:35
